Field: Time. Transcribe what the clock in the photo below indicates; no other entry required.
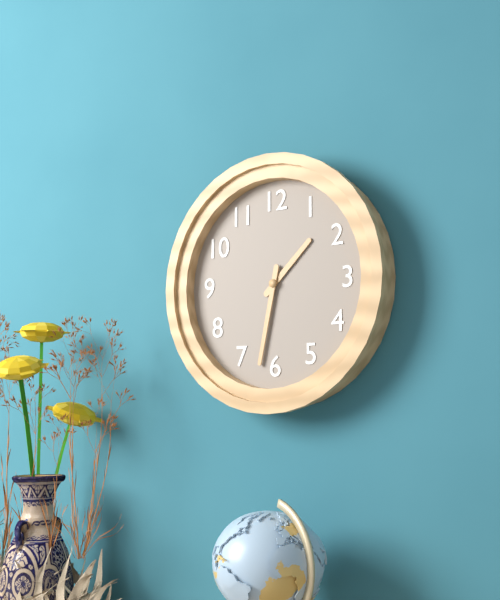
1:32
